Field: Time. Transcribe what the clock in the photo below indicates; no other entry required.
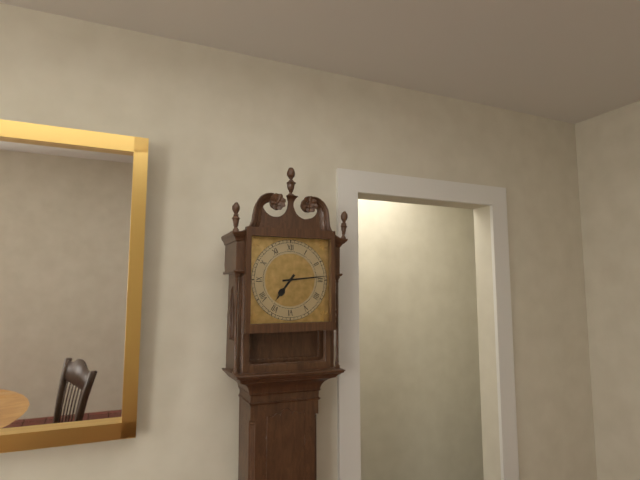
7:14
